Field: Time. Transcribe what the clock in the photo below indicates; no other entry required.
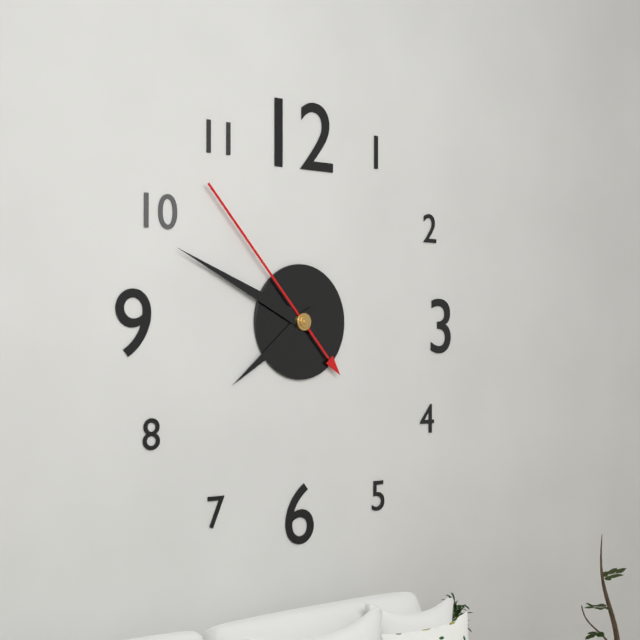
7:49:53
